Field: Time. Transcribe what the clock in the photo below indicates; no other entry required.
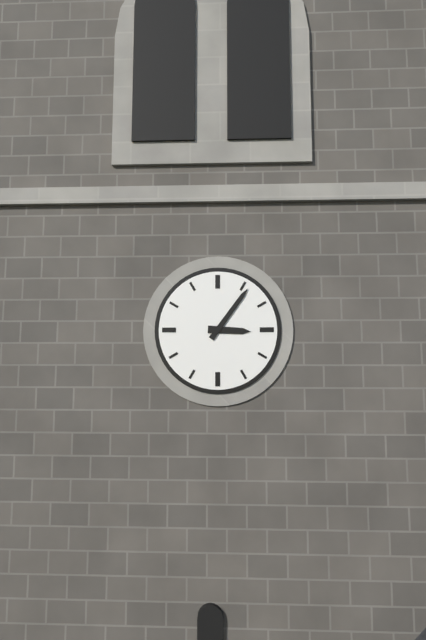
3:06
